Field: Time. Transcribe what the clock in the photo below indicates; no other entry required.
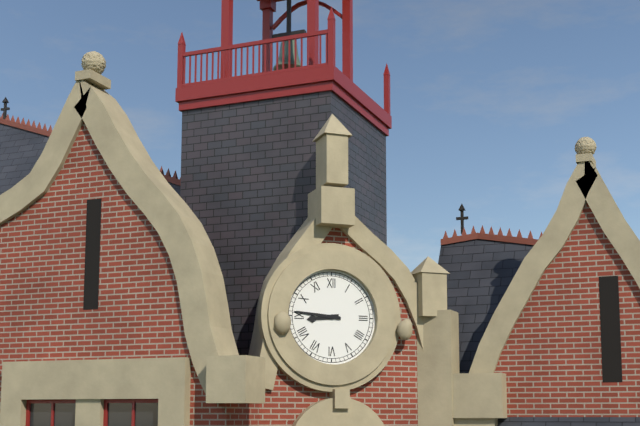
8:46
